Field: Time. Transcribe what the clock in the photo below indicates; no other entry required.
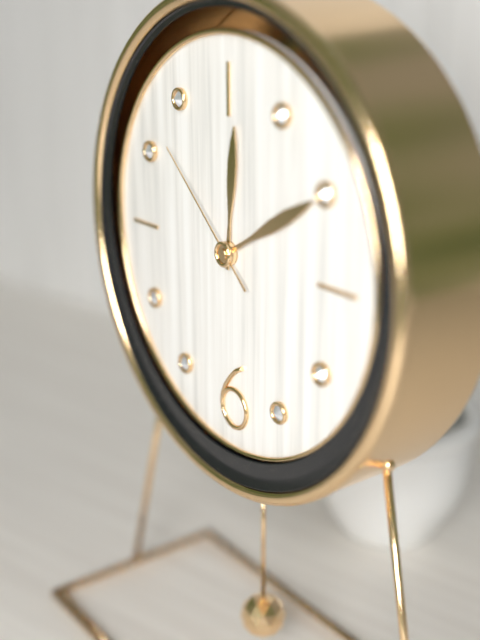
12:10:52
